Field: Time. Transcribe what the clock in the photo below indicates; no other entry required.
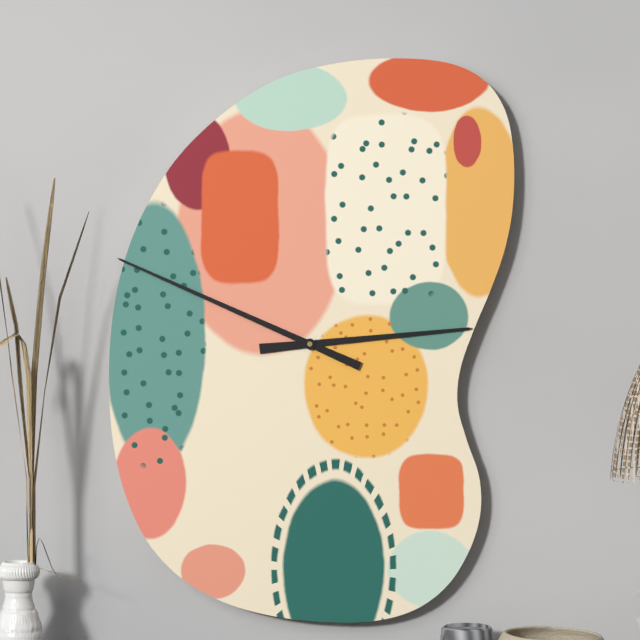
2:49
